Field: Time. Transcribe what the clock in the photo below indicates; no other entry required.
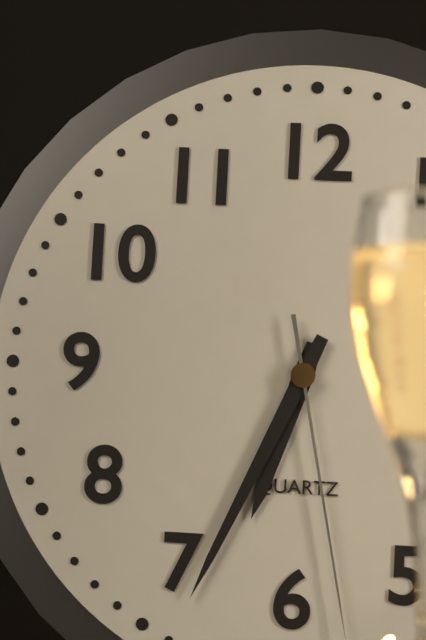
6:34
